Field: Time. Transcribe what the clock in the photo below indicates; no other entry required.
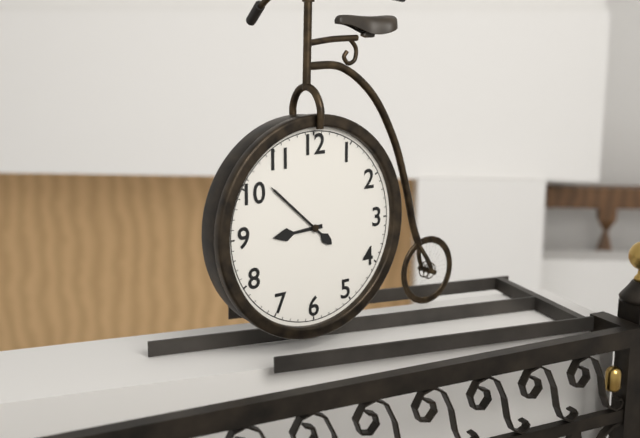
8:52
